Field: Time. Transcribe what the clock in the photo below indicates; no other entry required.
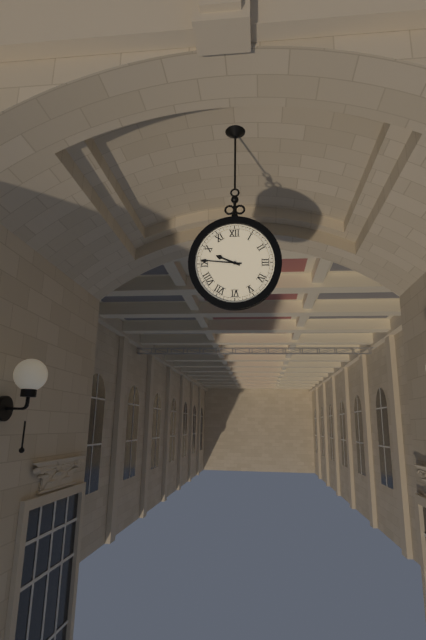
9:46
